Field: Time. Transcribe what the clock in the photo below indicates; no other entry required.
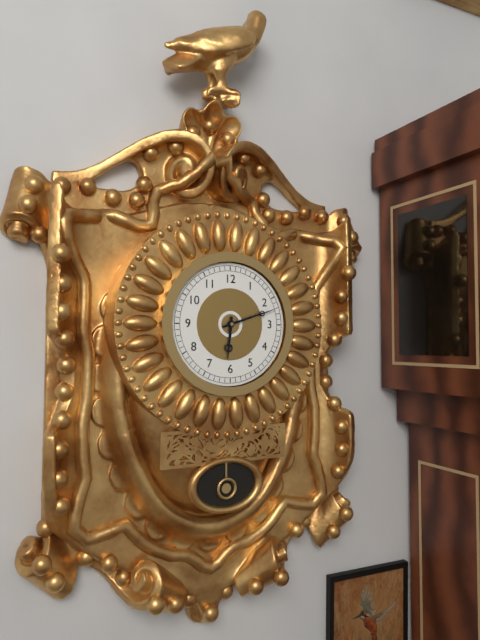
6:12
